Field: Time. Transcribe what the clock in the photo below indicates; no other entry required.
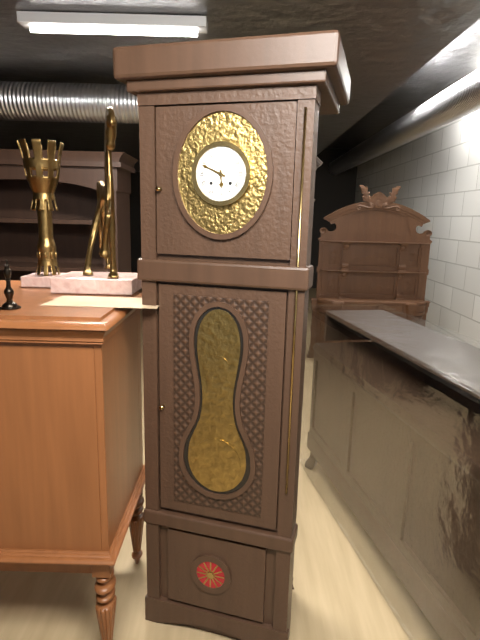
5:49
